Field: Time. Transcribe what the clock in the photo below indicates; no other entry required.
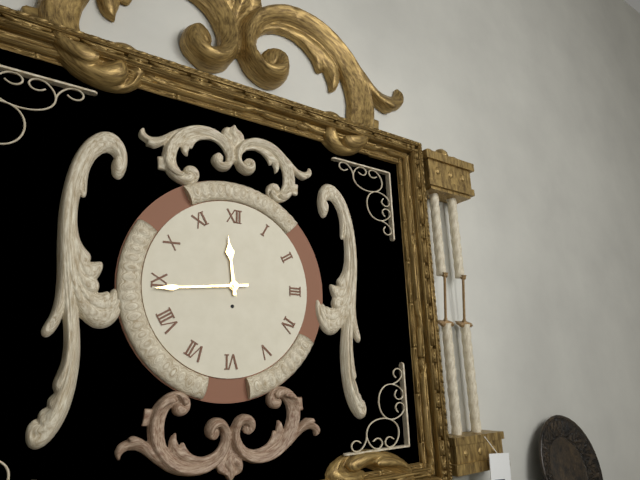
11:44
